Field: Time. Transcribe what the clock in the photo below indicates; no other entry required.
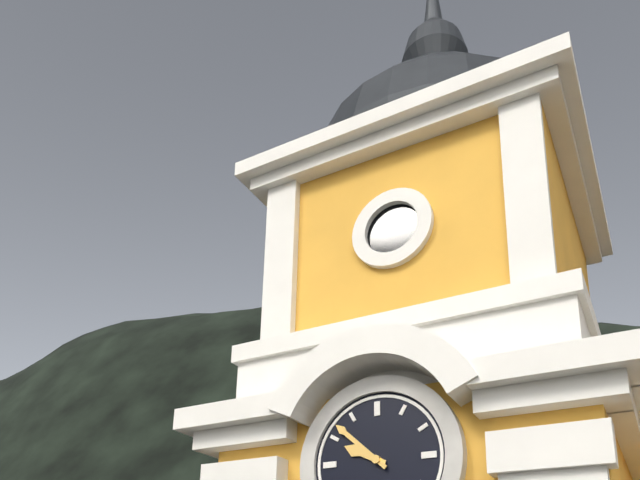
9:52
